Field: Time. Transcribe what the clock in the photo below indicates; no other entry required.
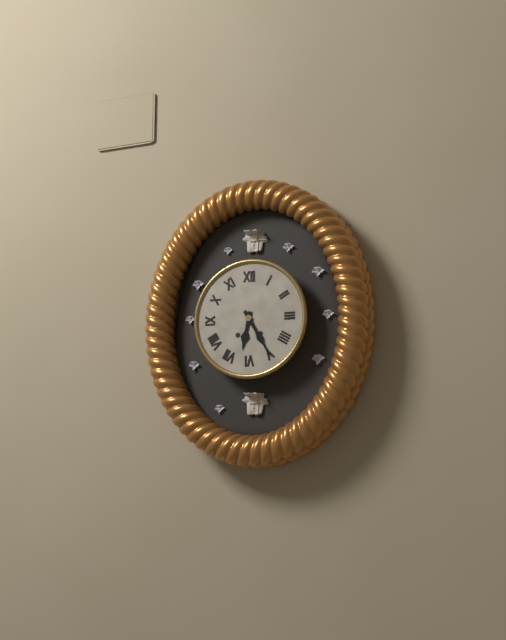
6:25
